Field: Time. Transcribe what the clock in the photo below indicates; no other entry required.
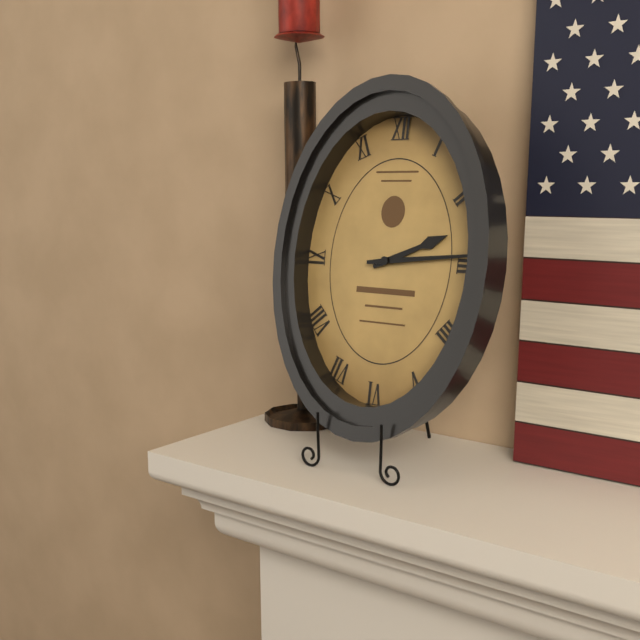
2:14
